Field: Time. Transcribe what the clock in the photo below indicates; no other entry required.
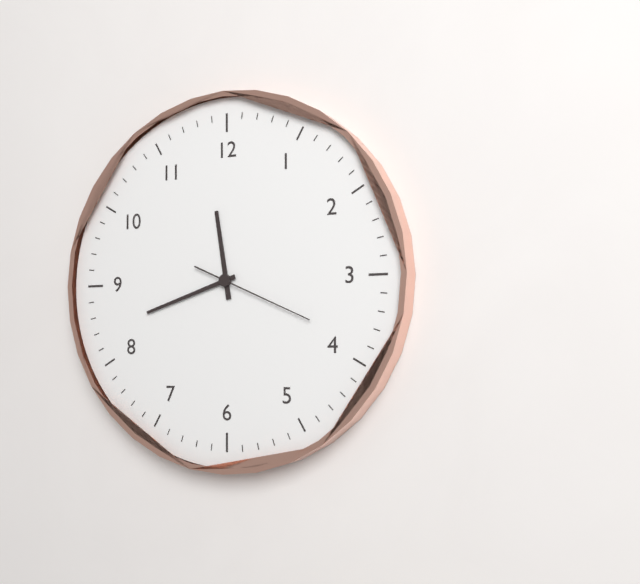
11:42:19
